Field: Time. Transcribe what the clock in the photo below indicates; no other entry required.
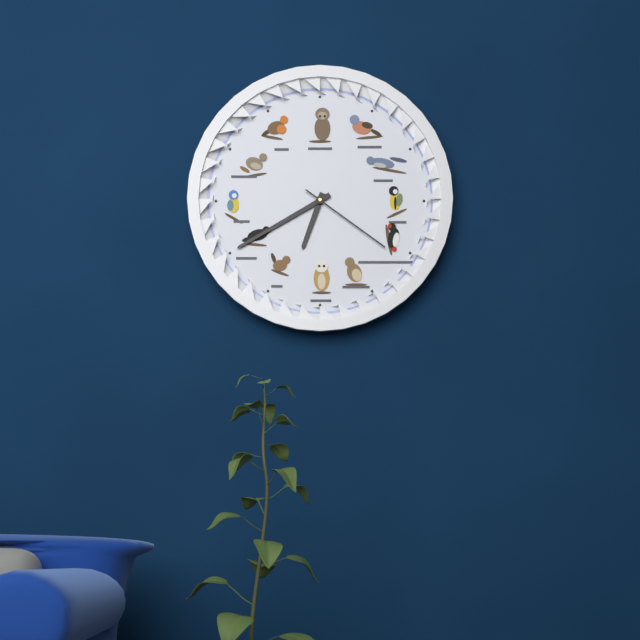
6:40:21
